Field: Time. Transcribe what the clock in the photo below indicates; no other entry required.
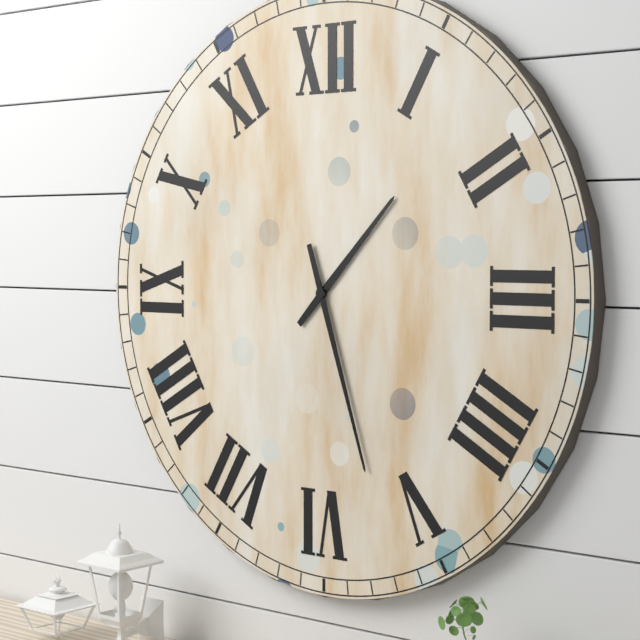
1:27
